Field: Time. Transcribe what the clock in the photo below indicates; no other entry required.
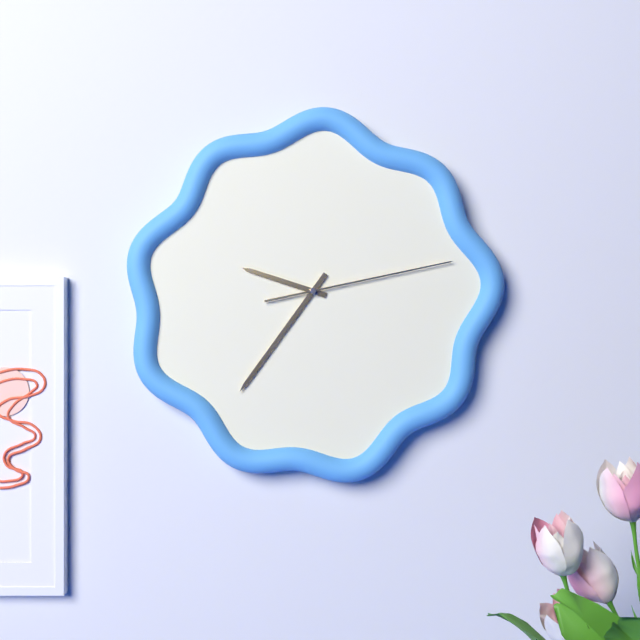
9:36:13
